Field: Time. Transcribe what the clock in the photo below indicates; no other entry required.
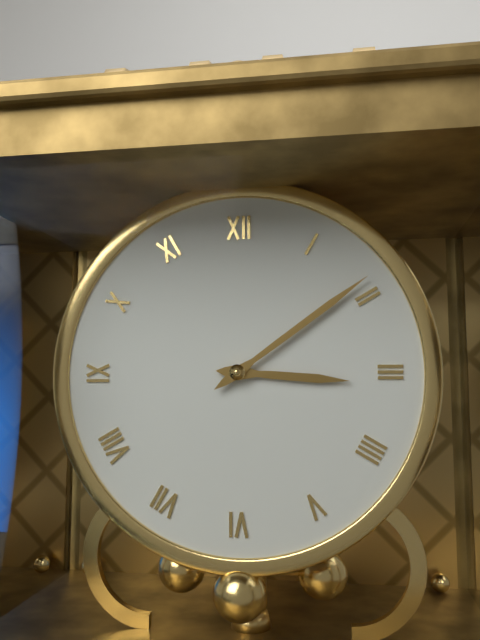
3:09
